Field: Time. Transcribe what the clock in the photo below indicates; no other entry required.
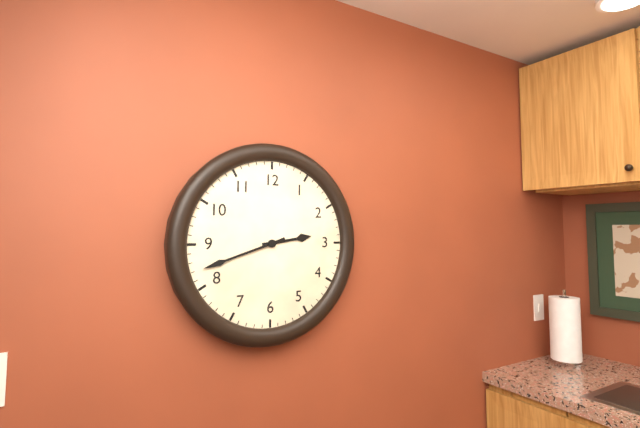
2:42
